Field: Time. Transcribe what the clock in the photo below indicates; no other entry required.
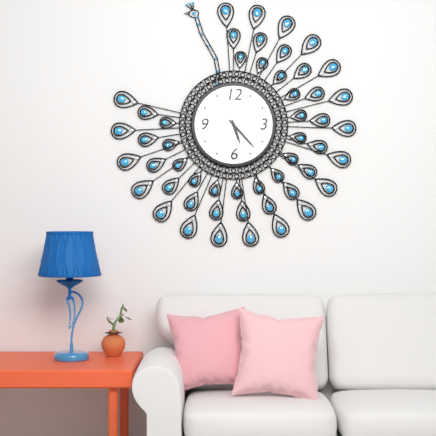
5:23
